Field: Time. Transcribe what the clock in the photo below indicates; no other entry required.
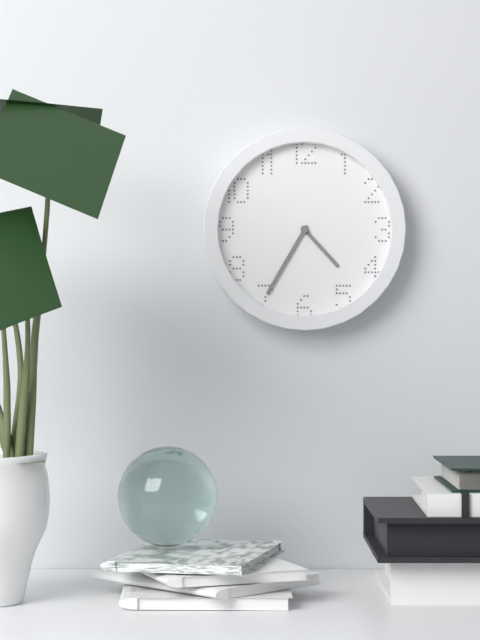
4:35
